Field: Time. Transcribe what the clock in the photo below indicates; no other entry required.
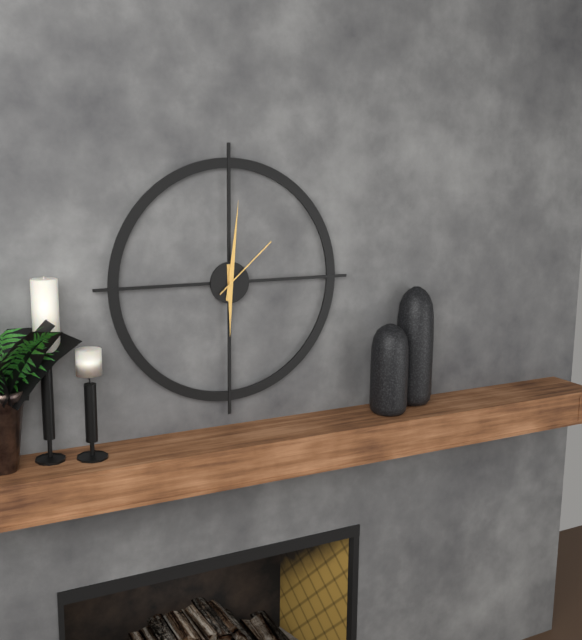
6:01:08
